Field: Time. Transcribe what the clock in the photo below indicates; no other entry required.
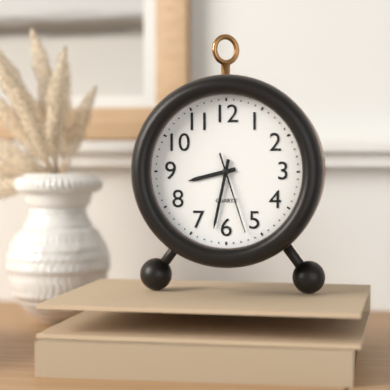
8:32:27
